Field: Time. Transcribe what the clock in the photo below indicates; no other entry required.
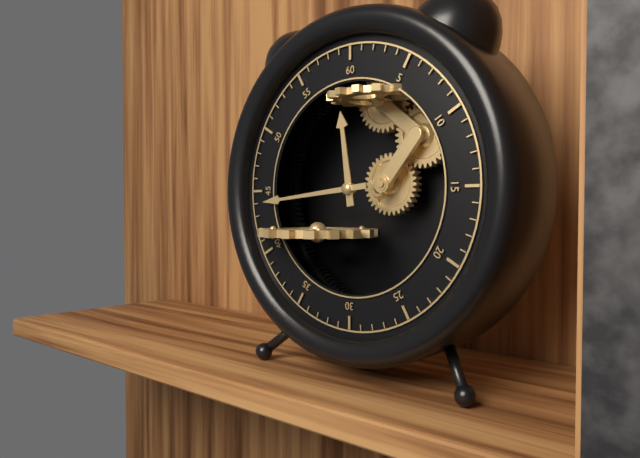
11:44
